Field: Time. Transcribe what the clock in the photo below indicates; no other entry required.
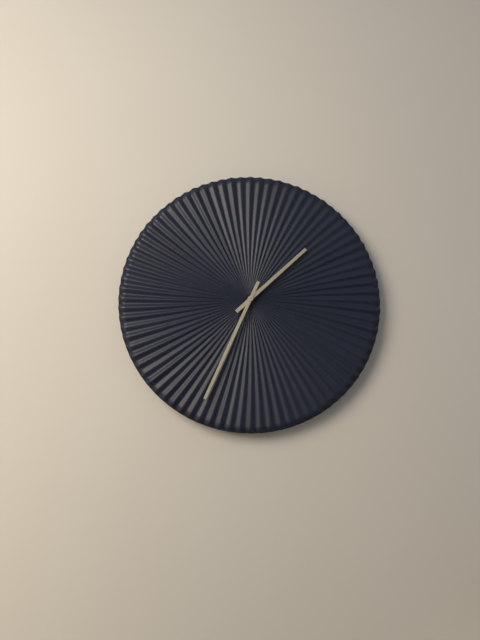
1:34
